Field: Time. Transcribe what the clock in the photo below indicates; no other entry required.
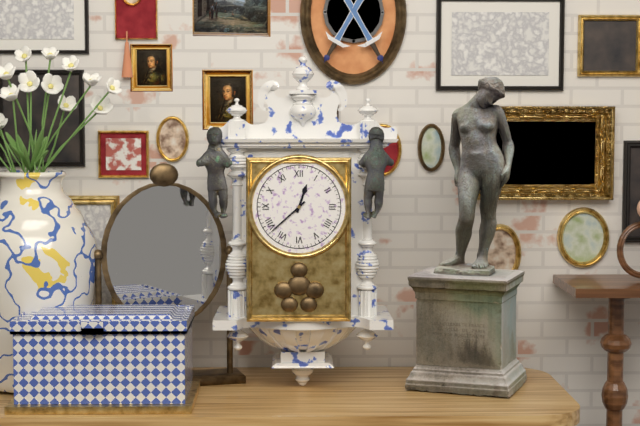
12:38
